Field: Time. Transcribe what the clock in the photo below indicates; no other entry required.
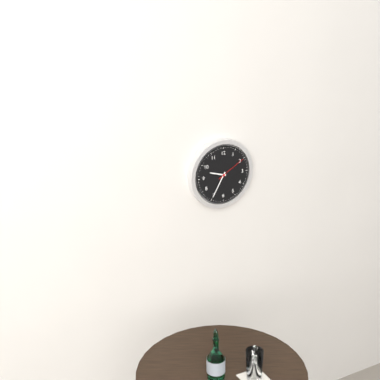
9:35
